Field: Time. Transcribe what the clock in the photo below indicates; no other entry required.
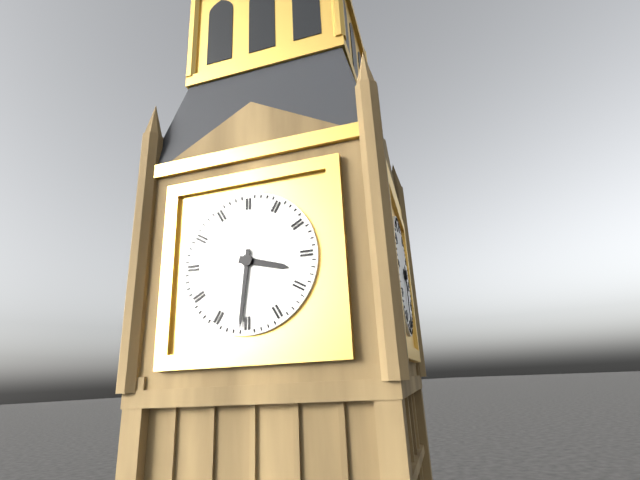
3:31
